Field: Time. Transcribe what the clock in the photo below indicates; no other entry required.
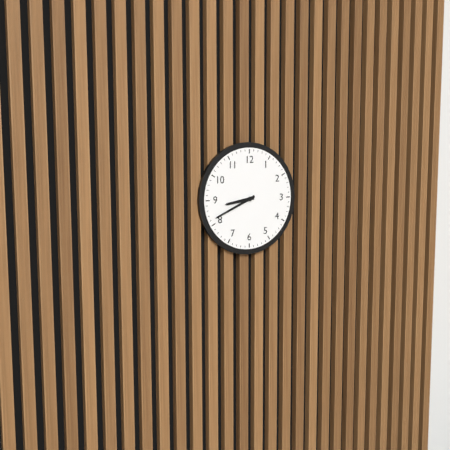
8:41
